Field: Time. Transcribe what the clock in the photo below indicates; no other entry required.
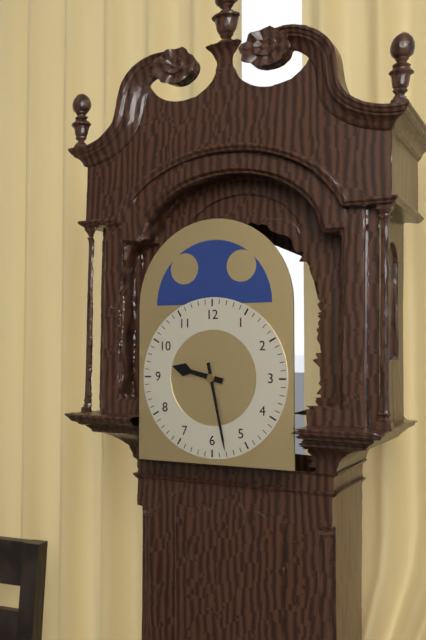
9:28
